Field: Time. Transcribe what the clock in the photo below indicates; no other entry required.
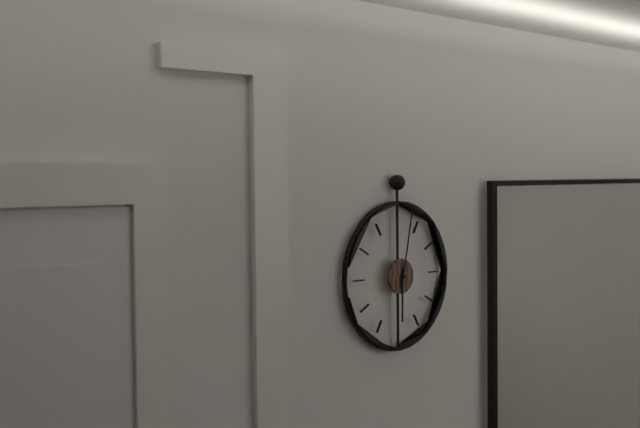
6:02
